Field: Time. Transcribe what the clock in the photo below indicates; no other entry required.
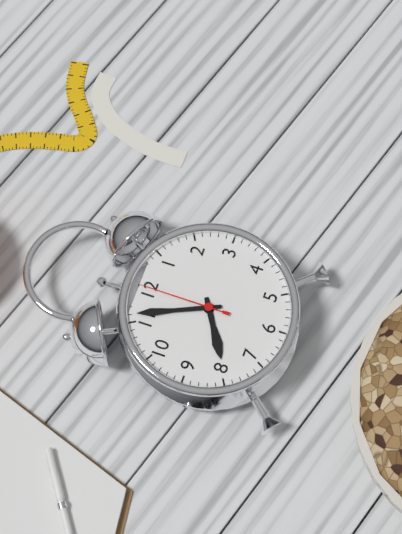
7:56:00
